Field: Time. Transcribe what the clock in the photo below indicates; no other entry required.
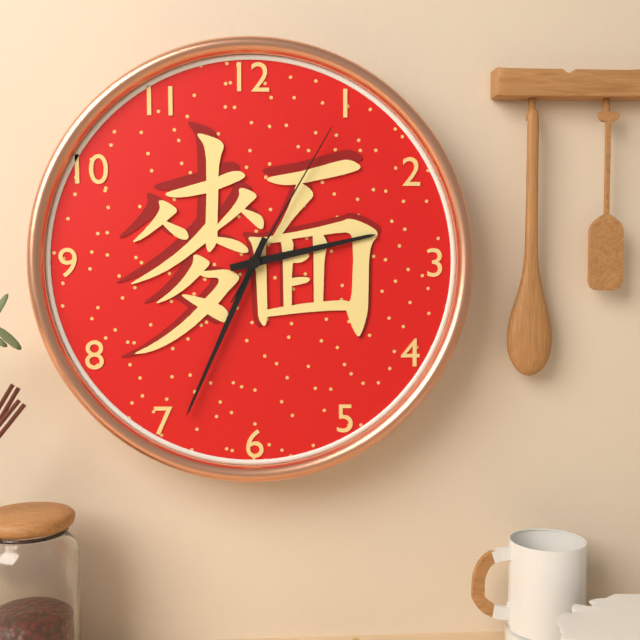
2:34:05
